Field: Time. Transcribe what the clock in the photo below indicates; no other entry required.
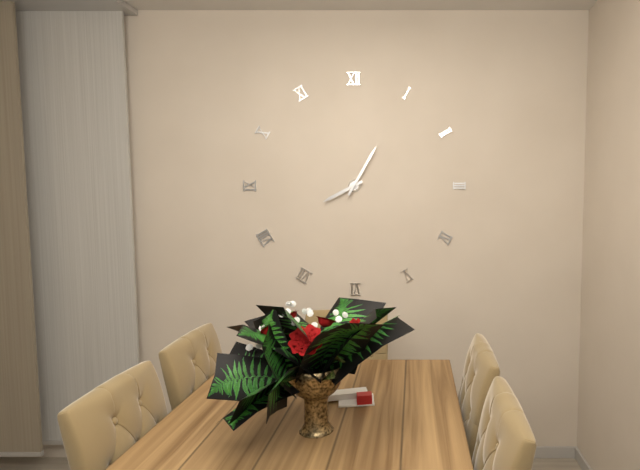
8:05
